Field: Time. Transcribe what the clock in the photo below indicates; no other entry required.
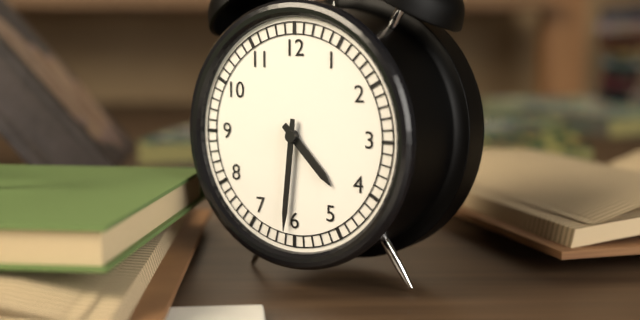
4:31
